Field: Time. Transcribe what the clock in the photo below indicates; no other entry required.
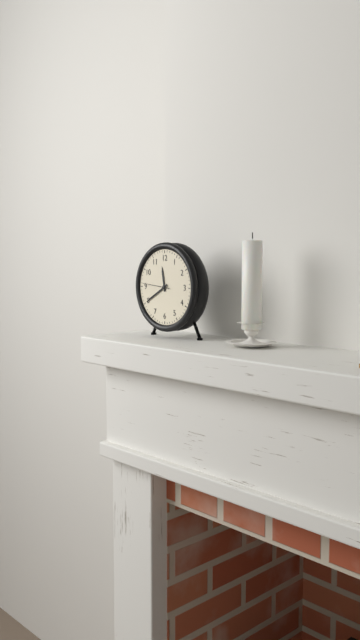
11:40
